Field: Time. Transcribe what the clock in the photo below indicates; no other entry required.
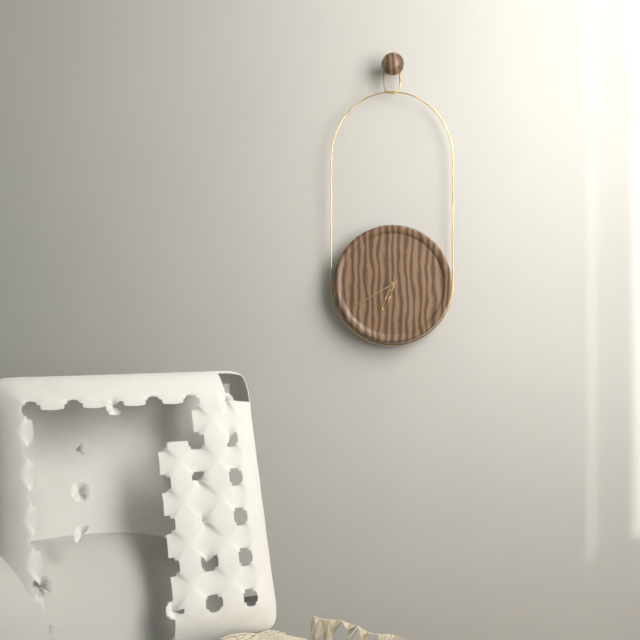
6:40
